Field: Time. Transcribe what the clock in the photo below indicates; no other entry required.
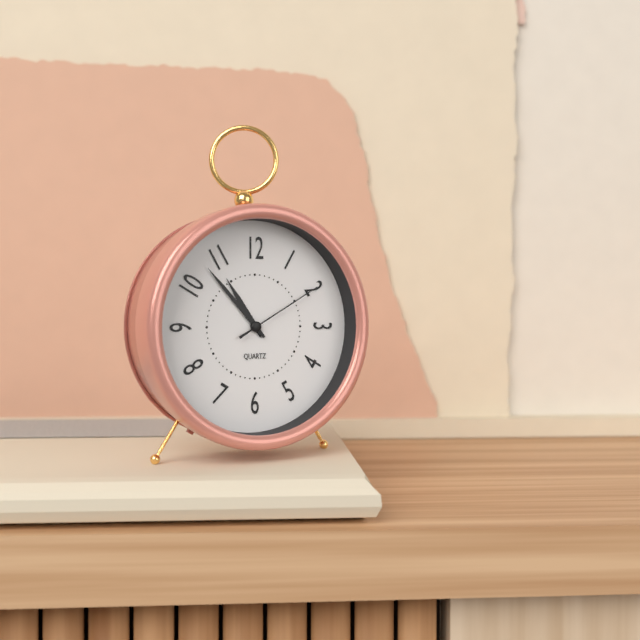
10:53:10
